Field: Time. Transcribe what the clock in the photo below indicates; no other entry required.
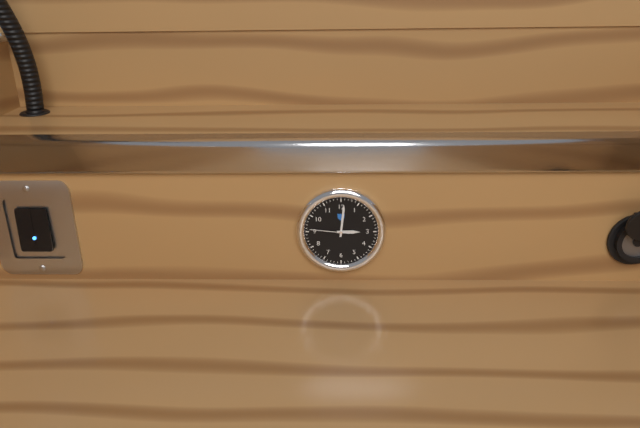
3:01
